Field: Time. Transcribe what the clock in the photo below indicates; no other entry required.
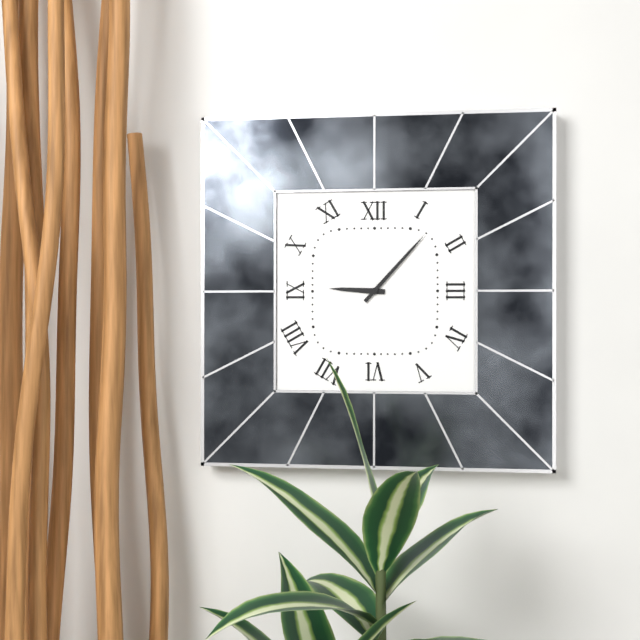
9:07
